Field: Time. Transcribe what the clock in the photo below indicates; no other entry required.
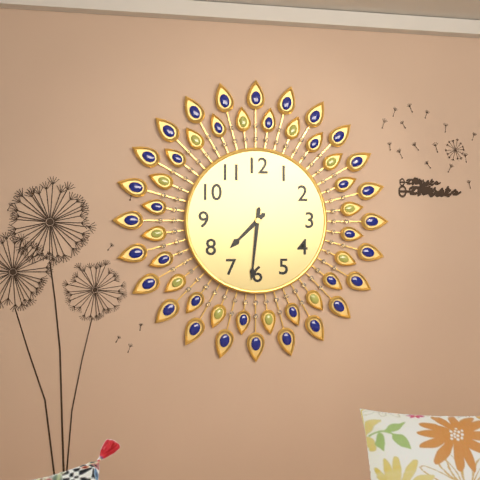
7:31
